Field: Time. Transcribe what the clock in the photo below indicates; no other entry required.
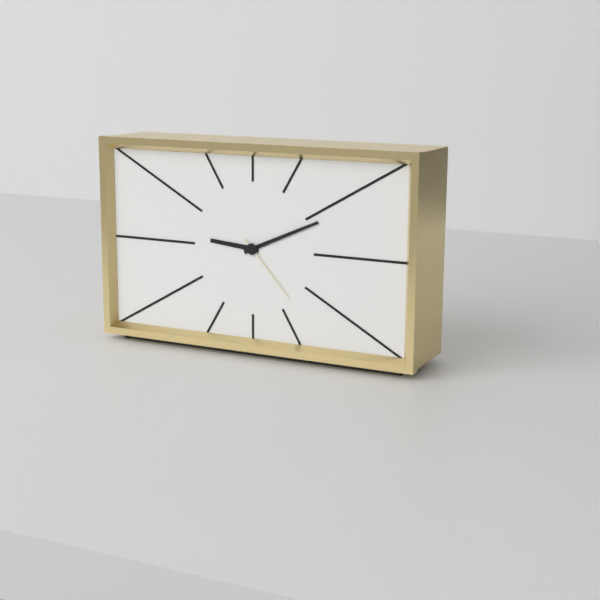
9:11:23
